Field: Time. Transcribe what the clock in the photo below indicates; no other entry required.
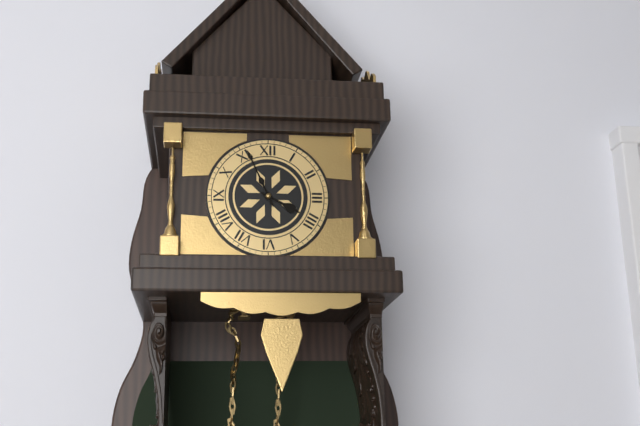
3:56
